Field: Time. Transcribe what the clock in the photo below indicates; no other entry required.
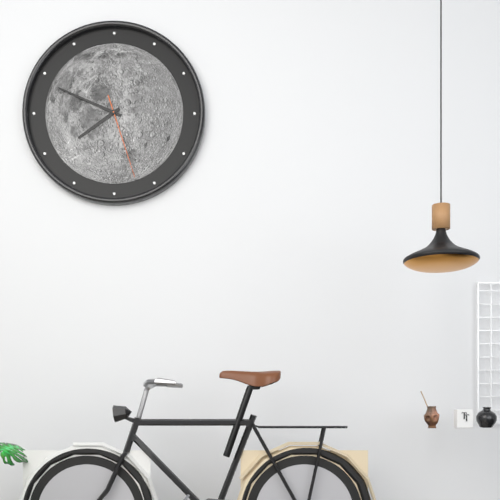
7:49:27
